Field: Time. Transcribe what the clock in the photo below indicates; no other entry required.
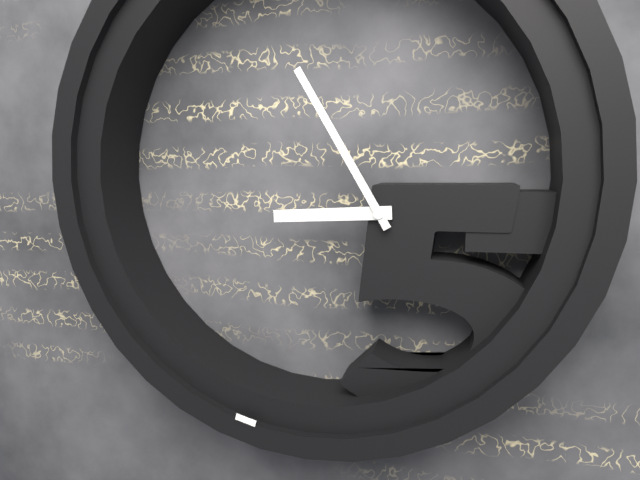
8:55
